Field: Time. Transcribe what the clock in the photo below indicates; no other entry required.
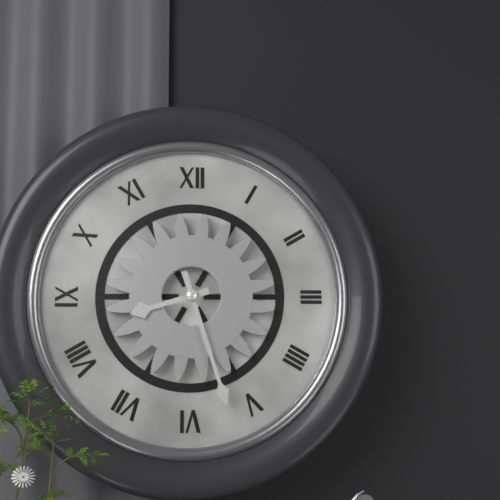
8:27
